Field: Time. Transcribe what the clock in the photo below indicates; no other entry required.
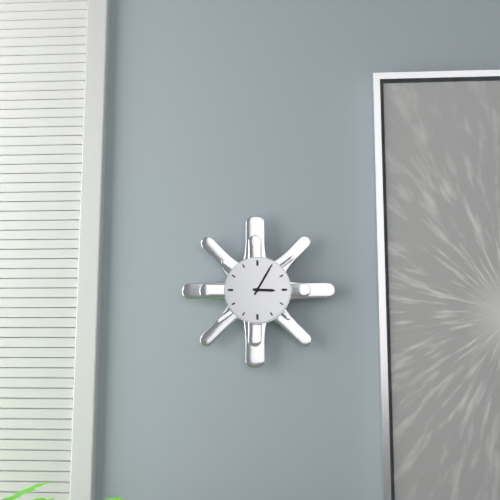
3:05
